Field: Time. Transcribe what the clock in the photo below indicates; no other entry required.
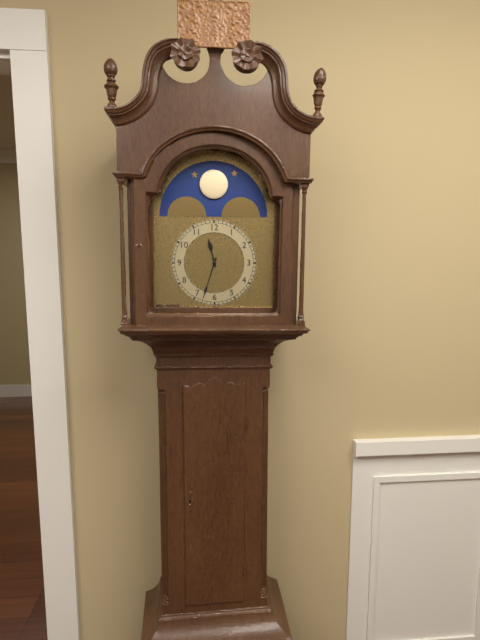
11:33
